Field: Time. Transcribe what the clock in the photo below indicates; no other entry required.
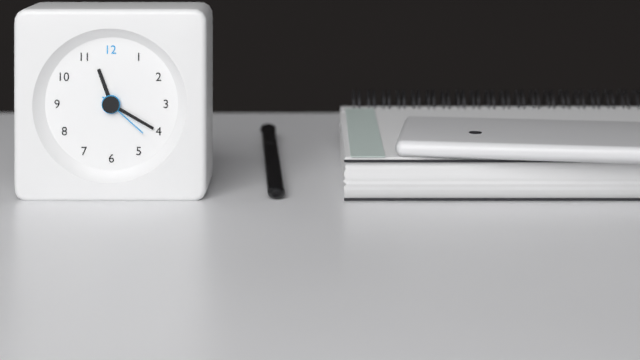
11:20:22
